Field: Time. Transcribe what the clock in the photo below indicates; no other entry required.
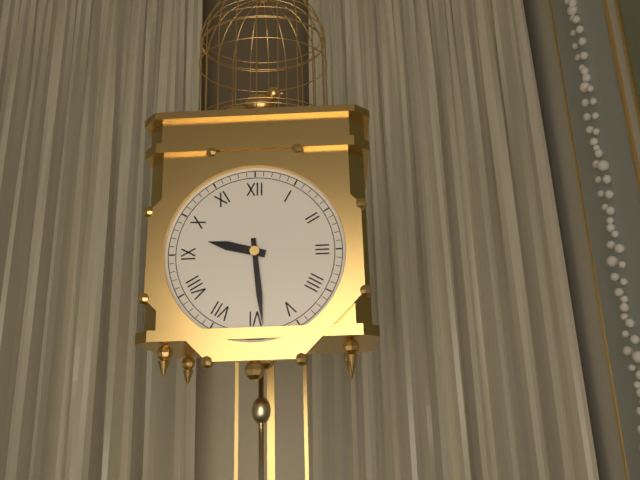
9:29
